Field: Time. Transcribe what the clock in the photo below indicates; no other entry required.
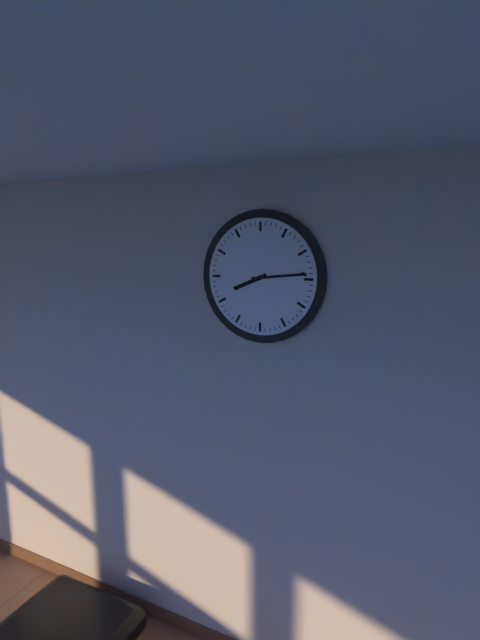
8:14
